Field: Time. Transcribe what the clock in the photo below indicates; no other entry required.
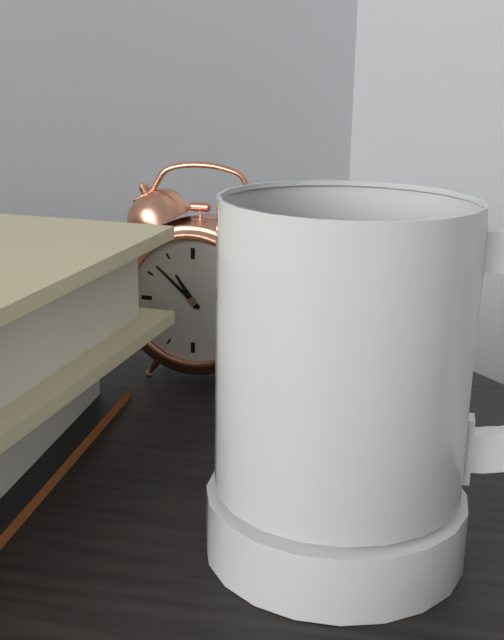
10:52
